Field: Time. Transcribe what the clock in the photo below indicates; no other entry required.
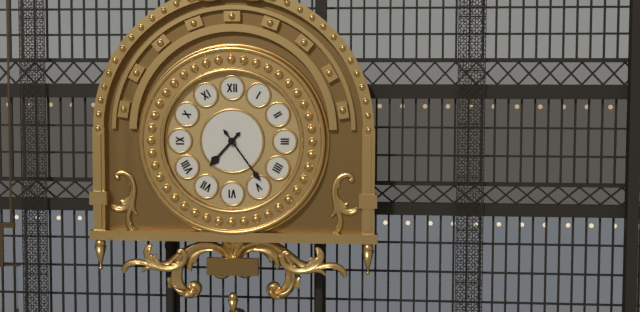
7:24
